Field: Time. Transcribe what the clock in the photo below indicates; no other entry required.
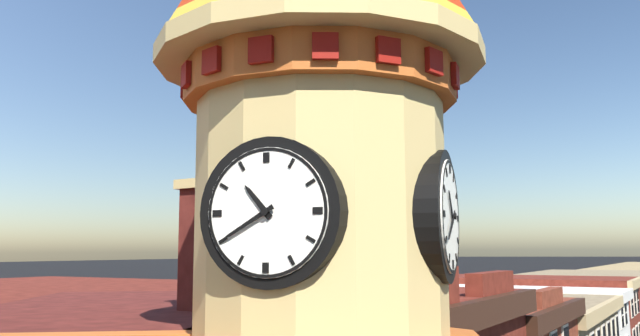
10:40
